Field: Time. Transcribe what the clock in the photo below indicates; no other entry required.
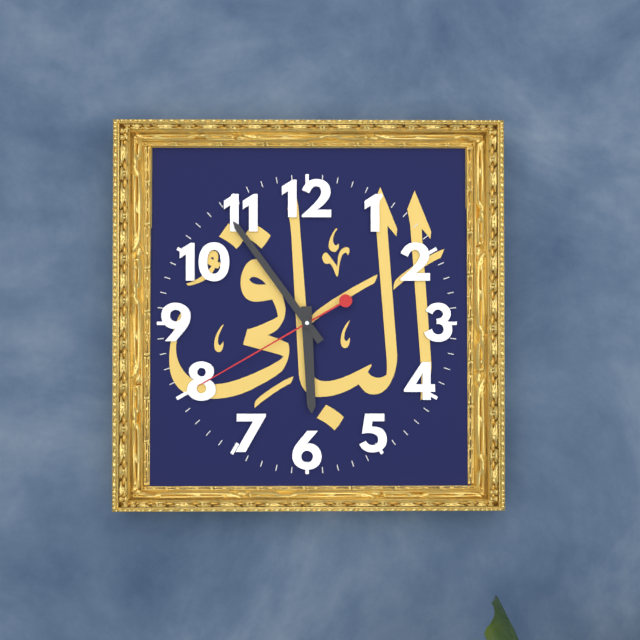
5:54:40
